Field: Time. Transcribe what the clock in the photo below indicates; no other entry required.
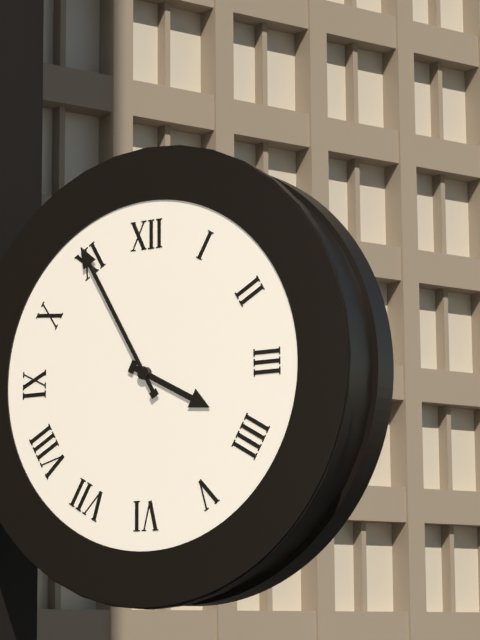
3:55
